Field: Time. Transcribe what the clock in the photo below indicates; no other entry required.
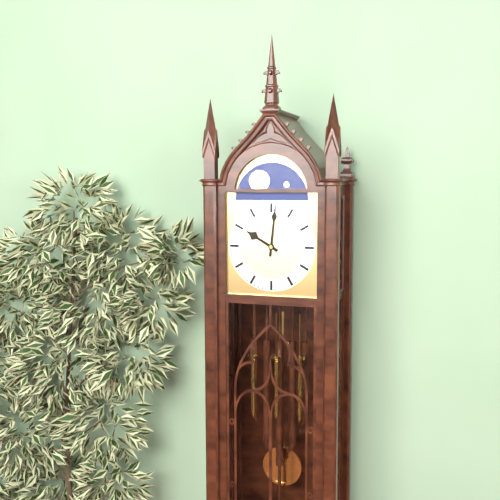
10:01
